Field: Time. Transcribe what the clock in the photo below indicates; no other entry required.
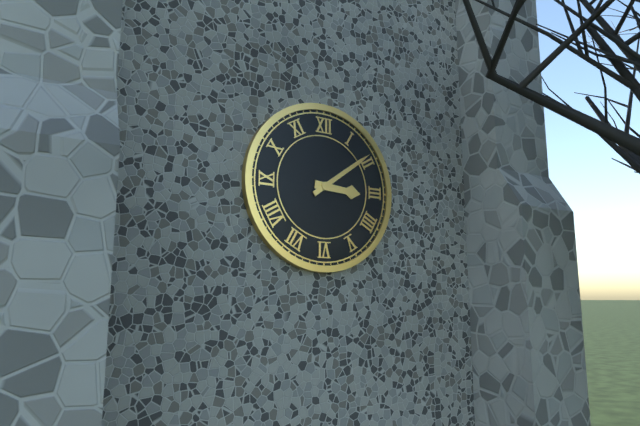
3:09
